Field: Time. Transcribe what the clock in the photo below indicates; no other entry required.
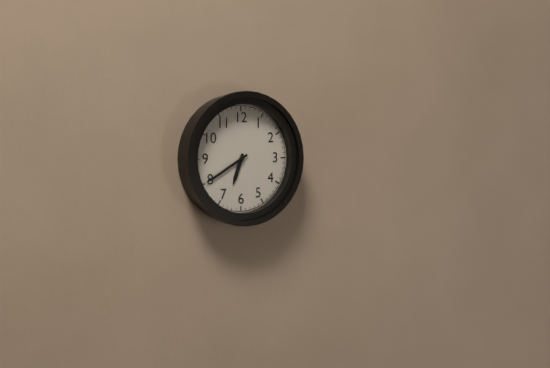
6:40
